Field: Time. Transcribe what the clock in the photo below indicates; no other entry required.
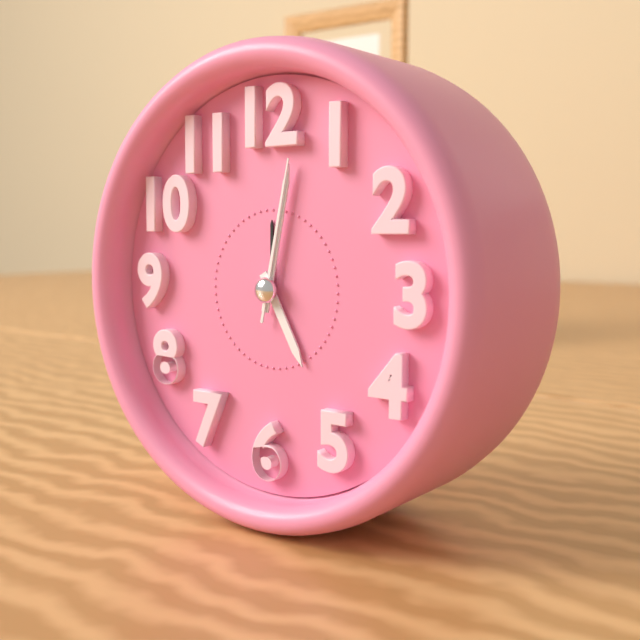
5:02:02
